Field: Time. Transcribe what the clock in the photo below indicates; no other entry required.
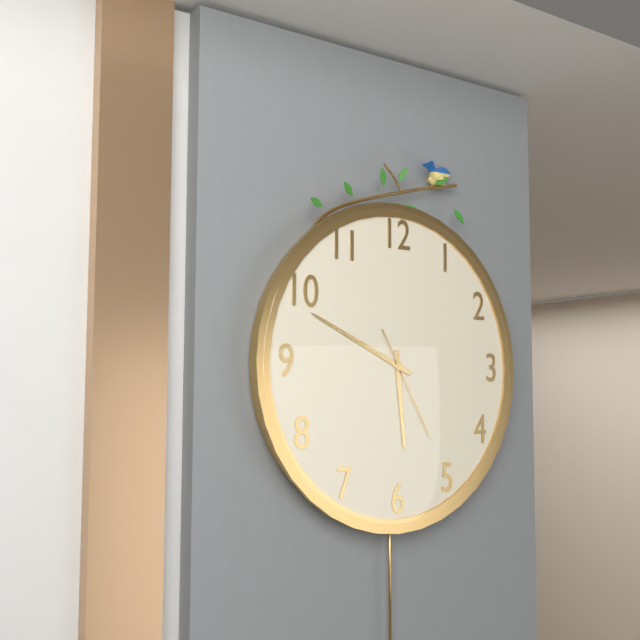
5:49:25
